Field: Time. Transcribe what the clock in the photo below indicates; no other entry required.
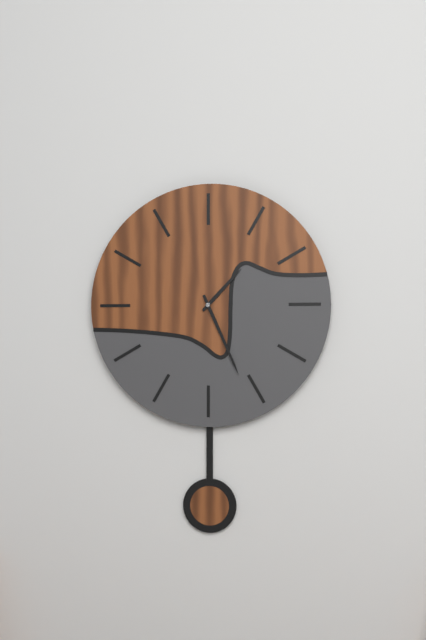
1:26
